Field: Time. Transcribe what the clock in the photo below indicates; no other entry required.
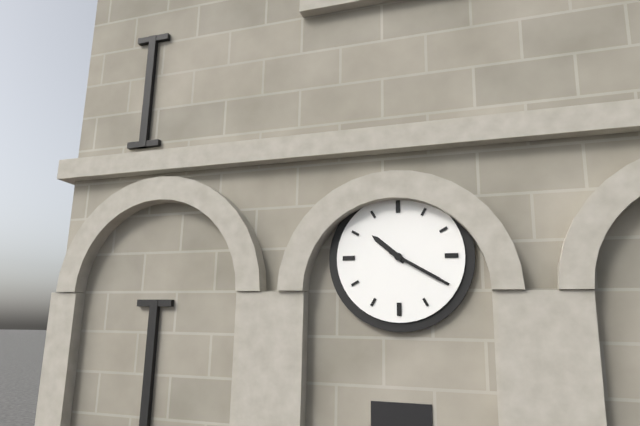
10:20
